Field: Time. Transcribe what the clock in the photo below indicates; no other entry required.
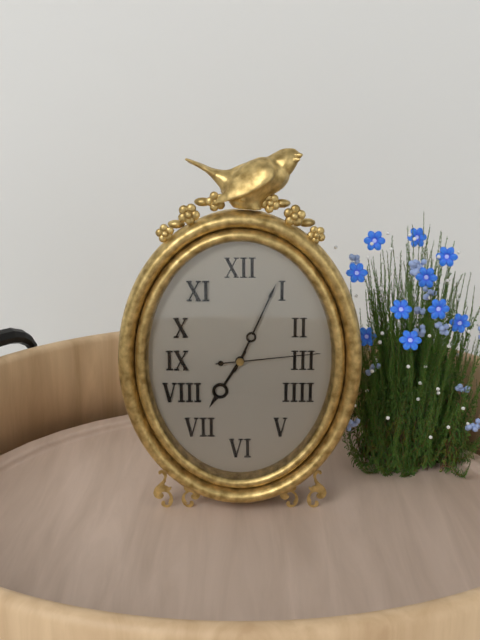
7:04:14
